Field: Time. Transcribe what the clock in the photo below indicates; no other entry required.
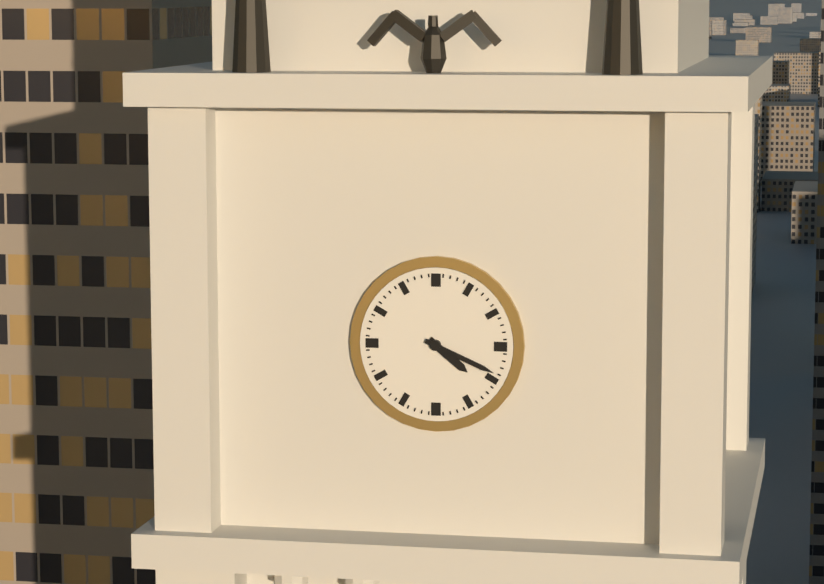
4:19
